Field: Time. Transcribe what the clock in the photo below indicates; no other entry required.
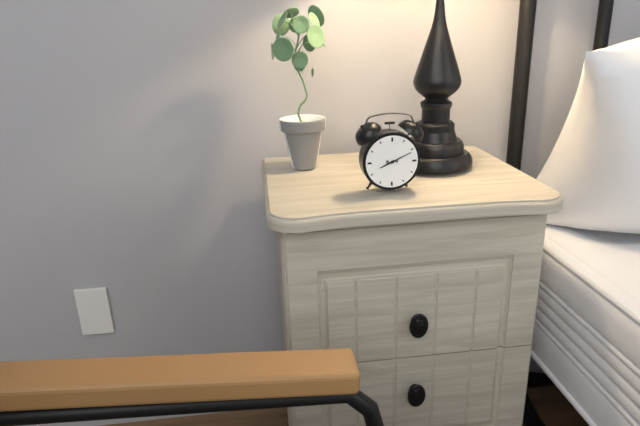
8:11
